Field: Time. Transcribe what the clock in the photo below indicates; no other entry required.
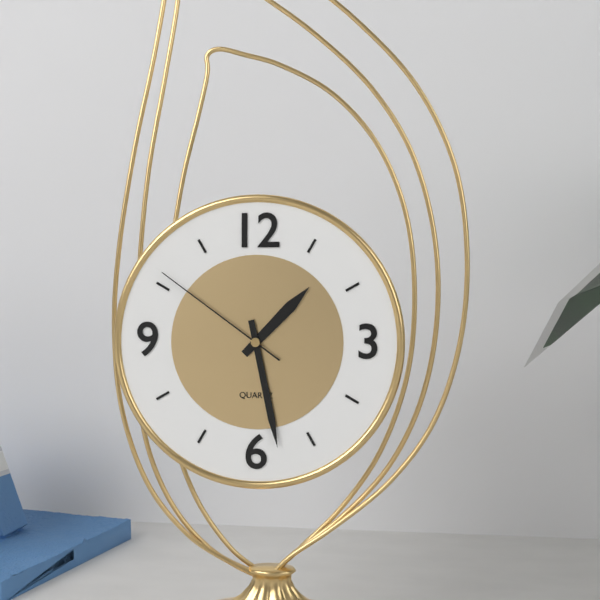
1:28:51
